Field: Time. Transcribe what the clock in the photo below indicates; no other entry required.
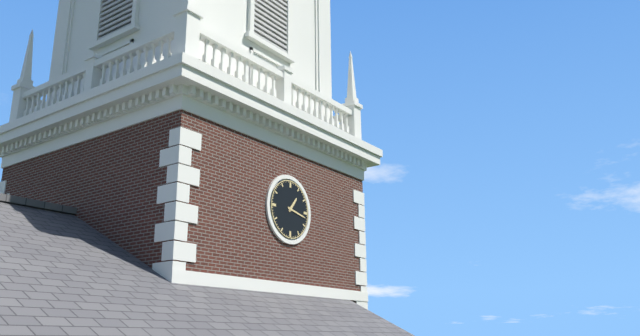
1:17
